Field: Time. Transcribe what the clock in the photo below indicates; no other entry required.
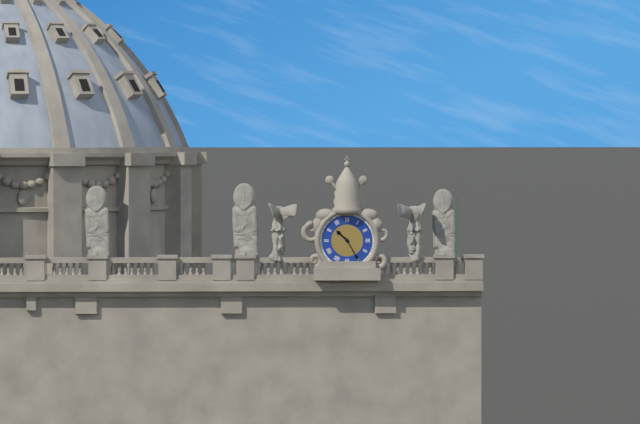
10:25
